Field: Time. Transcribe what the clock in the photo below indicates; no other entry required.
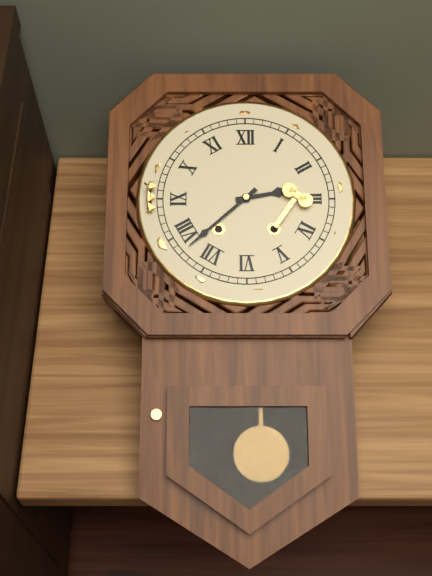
2:38
